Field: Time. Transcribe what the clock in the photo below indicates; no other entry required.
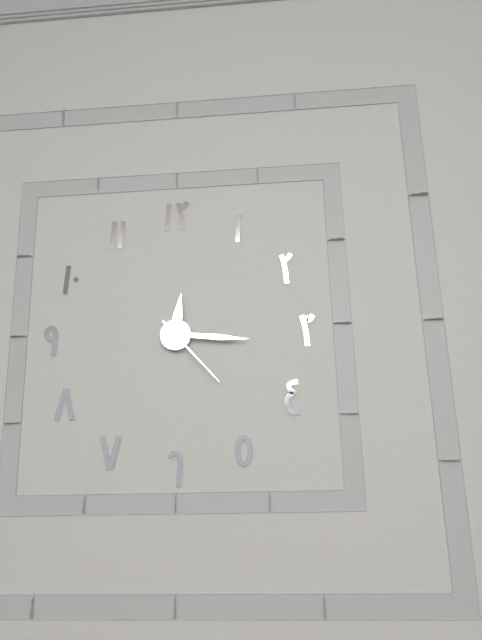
12:16:23
